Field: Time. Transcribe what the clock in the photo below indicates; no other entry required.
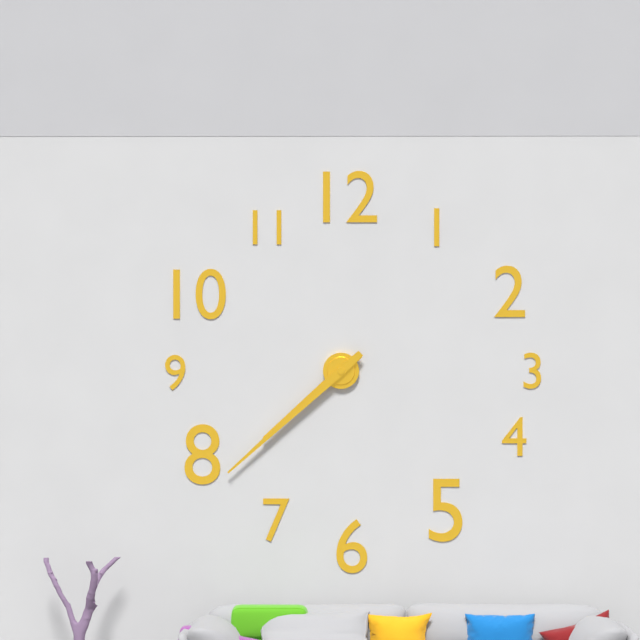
7:38
